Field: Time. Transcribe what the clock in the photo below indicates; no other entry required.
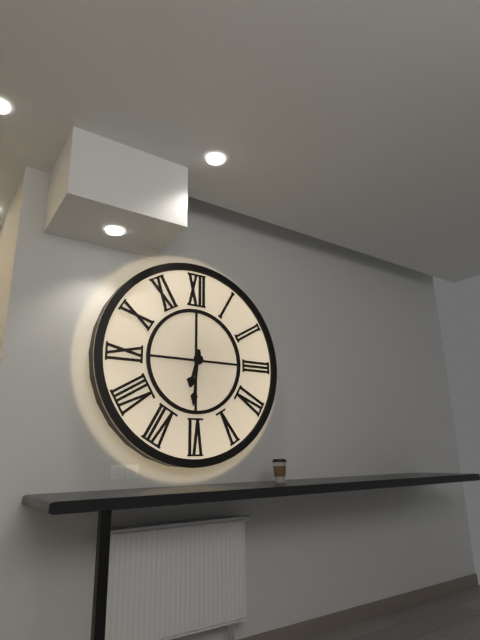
6:31
